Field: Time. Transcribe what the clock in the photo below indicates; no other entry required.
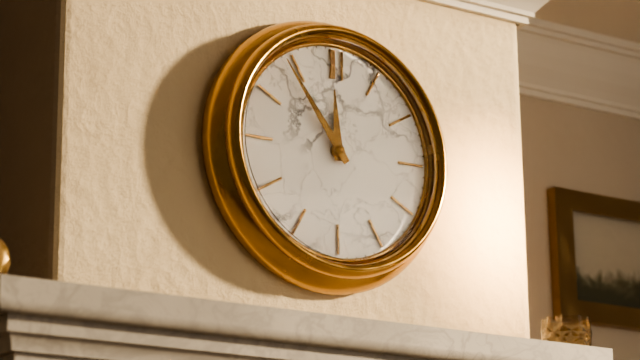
11:54
